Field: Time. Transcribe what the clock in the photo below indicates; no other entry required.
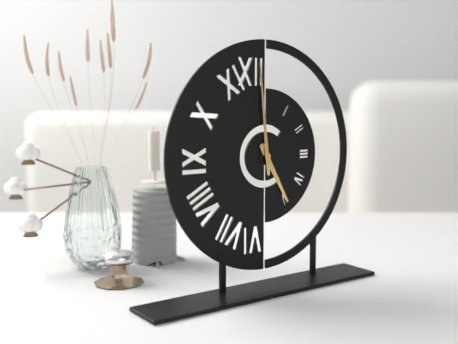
4:59
